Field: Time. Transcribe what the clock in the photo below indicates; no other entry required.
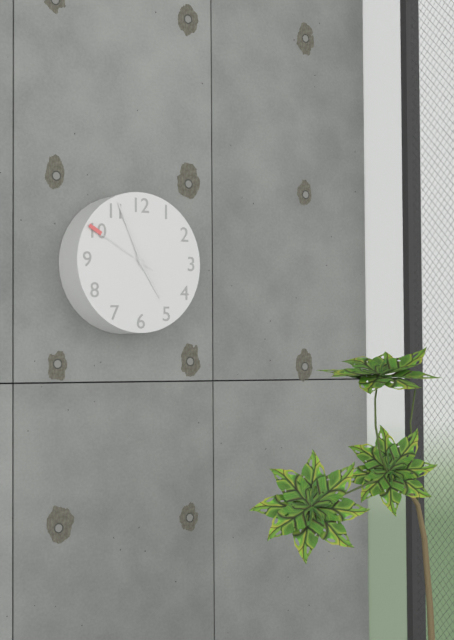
4:56:50
